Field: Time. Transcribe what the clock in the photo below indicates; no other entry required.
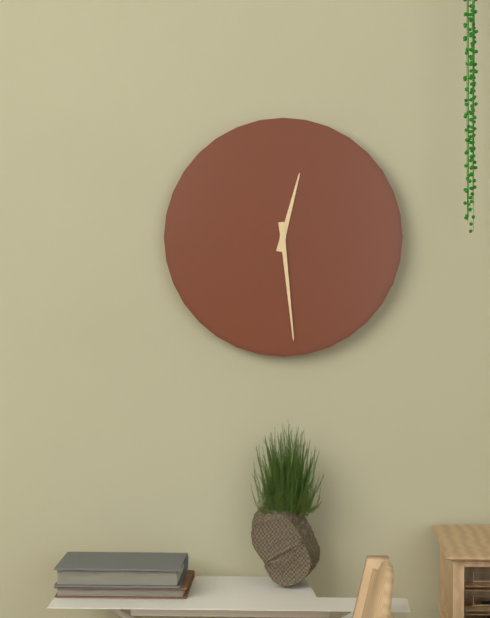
12:29
